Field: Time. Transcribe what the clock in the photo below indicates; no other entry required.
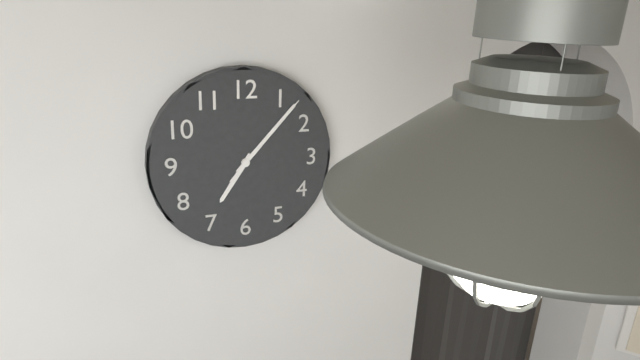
7:07:07
